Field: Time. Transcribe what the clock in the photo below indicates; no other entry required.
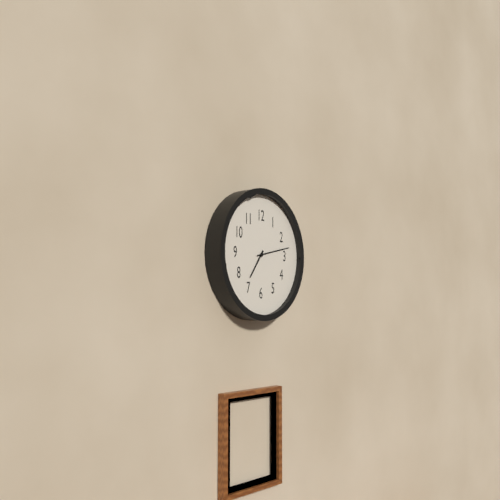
7:13
